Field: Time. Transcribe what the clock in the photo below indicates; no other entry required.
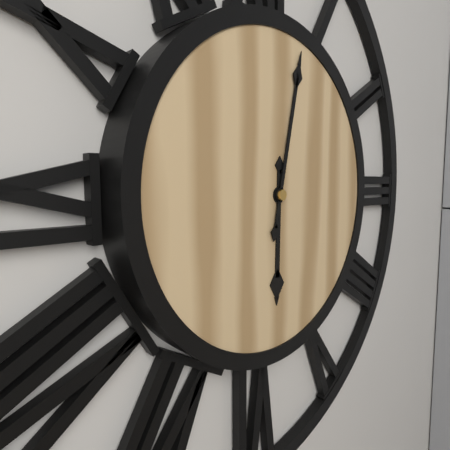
6:02
